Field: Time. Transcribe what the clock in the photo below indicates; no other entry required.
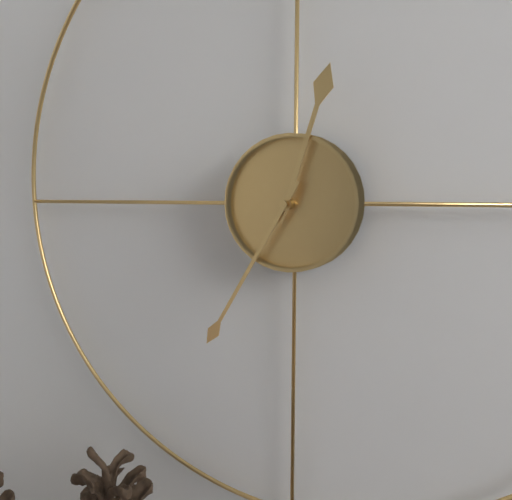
12:35
